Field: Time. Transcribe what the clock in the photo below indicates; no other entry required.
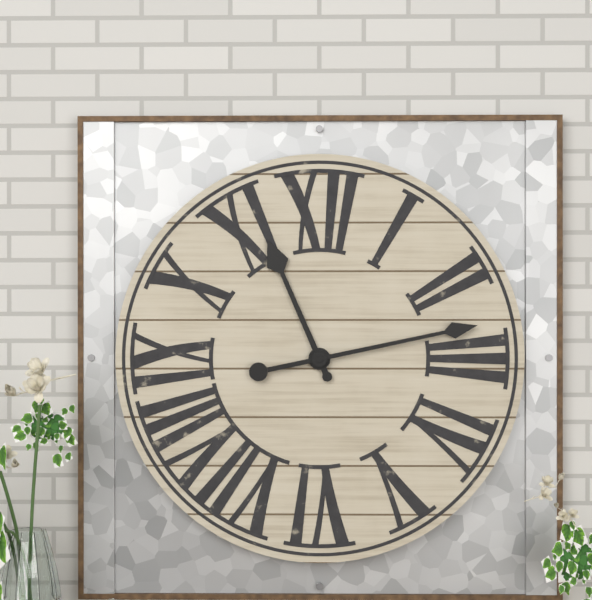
11:13
